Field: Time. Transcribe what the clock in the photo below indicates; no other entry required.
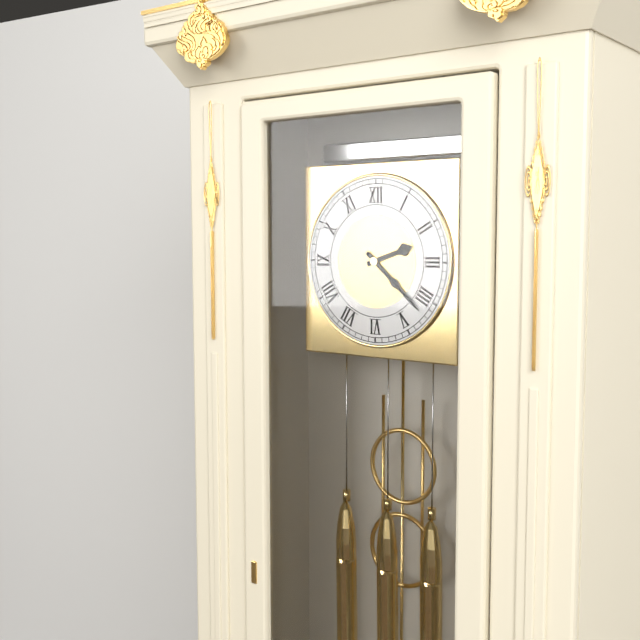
2:22
